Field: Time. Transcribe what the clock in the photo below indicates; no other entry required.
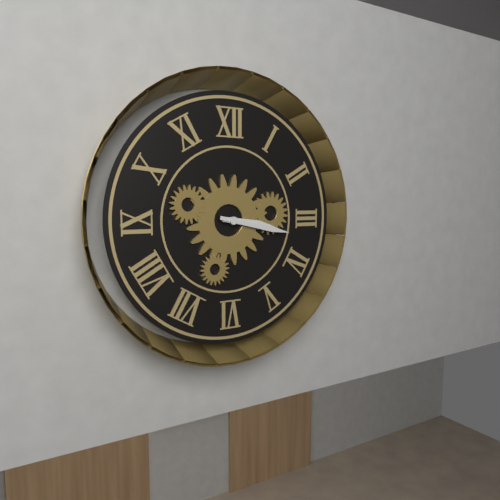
3:17
